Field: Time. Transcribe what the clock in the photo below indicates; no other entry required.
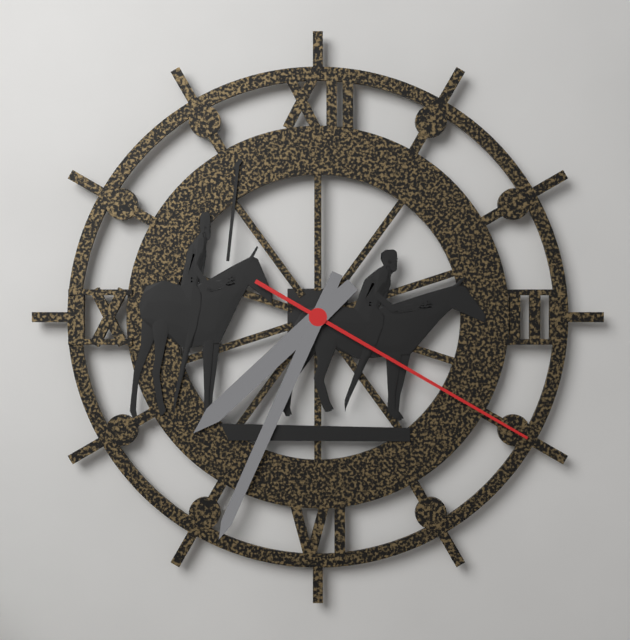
7:34:20
